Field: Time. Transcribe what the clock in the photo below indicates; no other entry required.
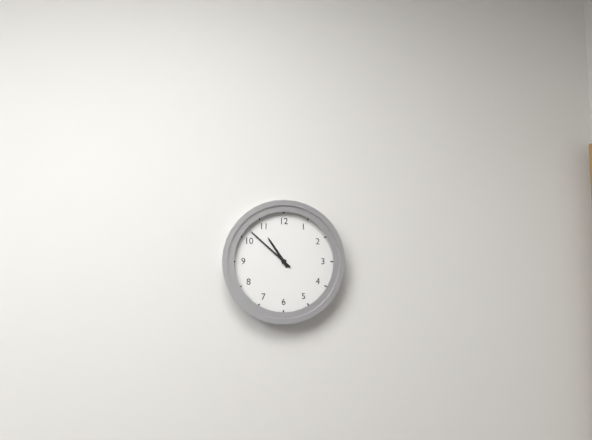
10:52
